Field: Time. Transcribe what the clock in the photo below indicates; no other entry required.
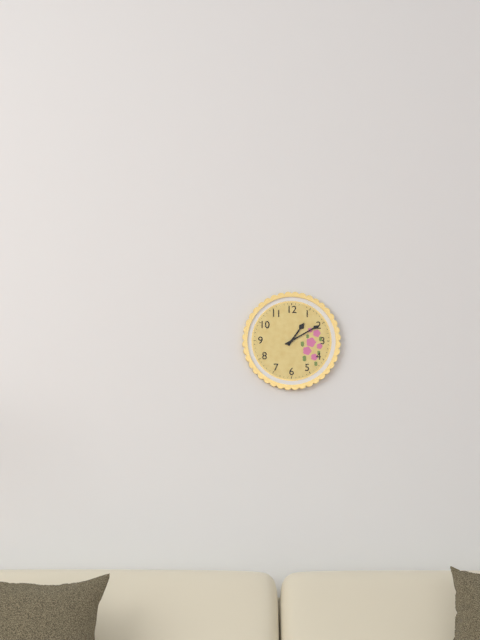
1:10
